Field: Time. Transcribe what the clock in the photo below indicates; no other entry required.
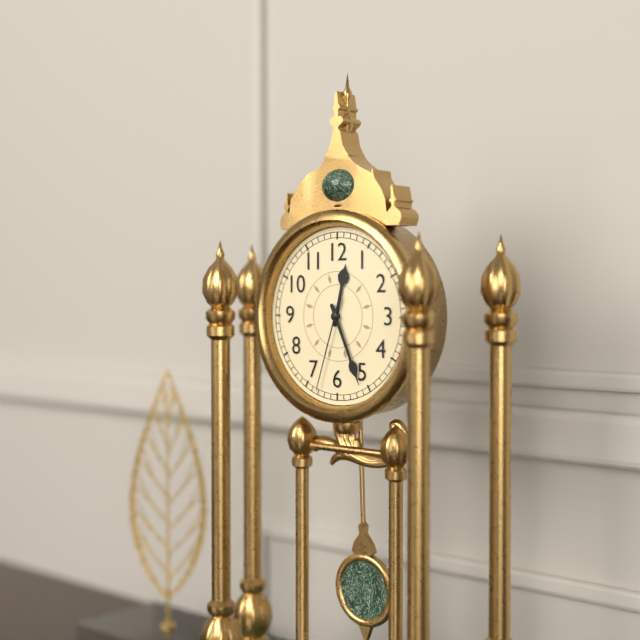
12:26:33
